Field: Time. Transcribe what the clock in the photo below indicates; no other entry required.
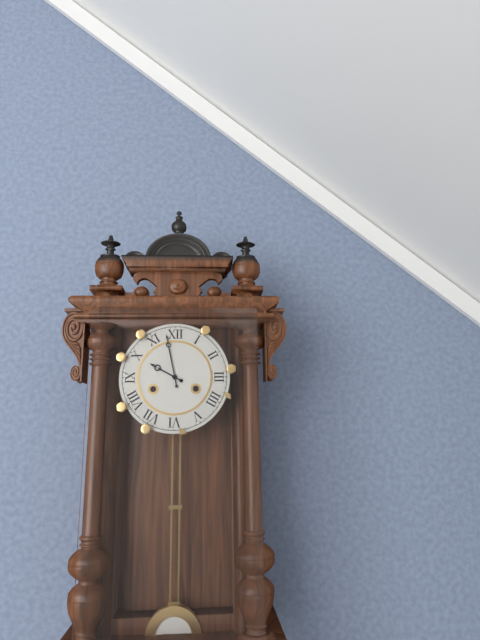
9:58
